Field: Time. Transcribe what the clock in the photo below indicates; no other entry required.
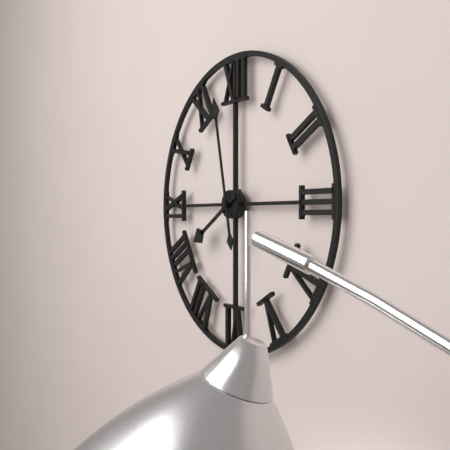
7:58
